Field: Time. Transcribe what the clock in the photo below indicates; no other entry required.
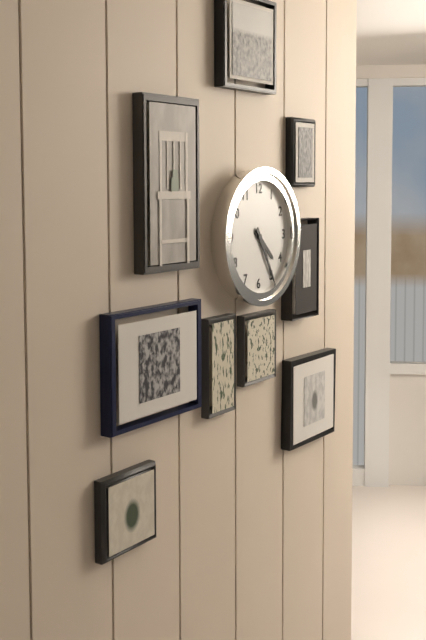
4:25
